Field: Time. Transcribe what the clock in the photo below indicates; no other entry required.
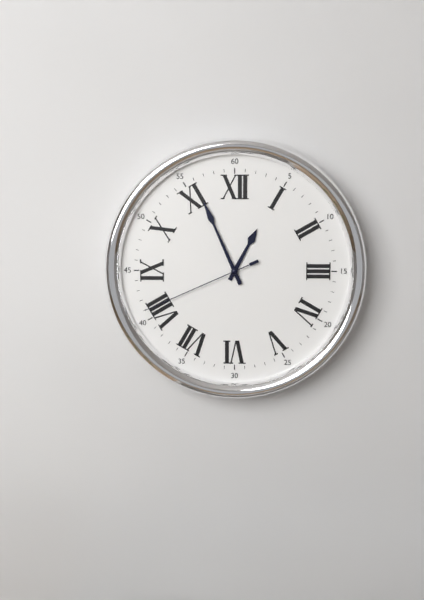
12:56:41
